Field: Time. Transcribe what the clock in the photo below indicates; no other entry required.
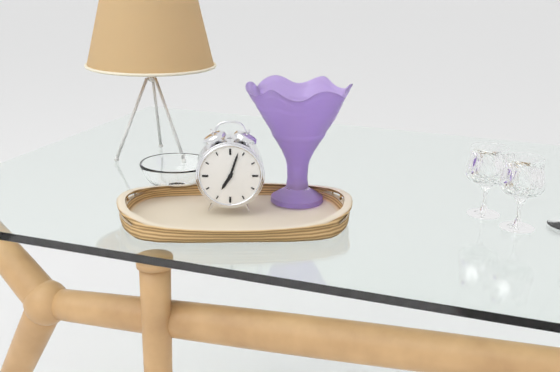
7:03
